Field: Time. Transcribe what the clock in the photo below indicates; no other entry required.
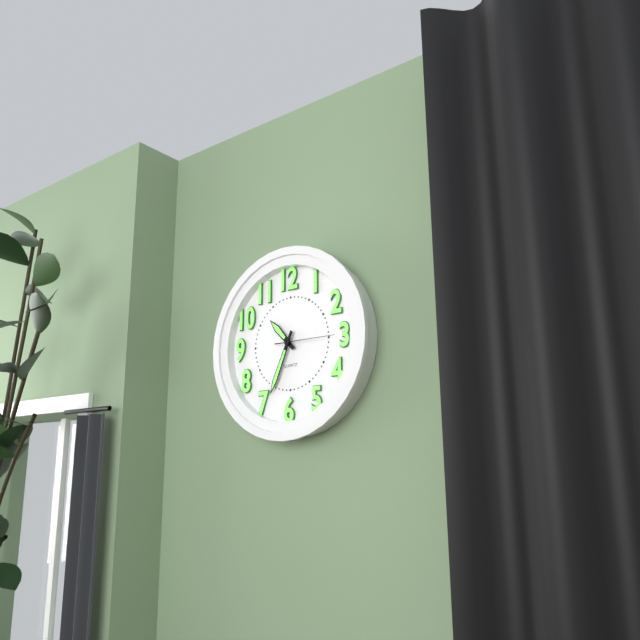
10:34:15
